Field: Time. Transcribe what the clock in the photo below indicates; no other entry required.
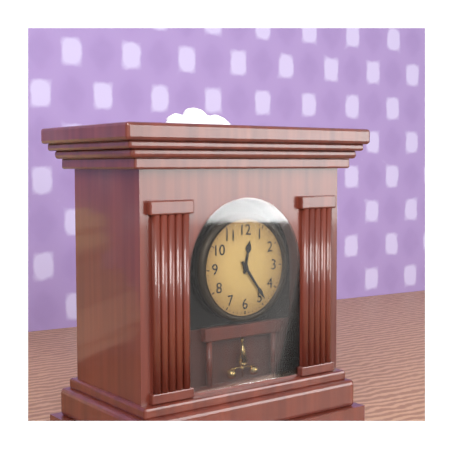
12:24
